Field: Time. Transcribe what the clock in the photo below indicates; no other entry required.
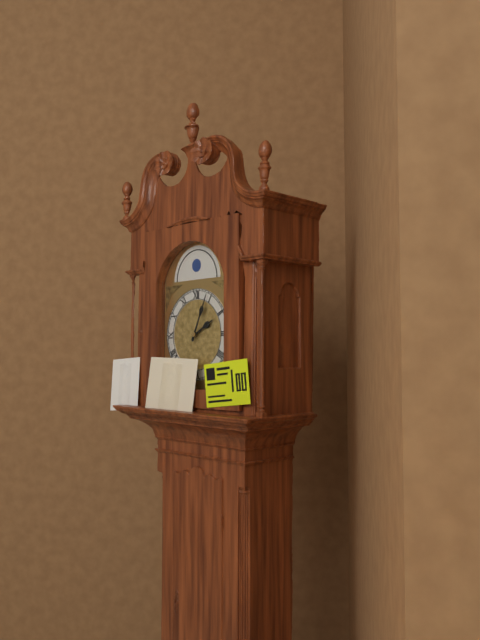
2:04
